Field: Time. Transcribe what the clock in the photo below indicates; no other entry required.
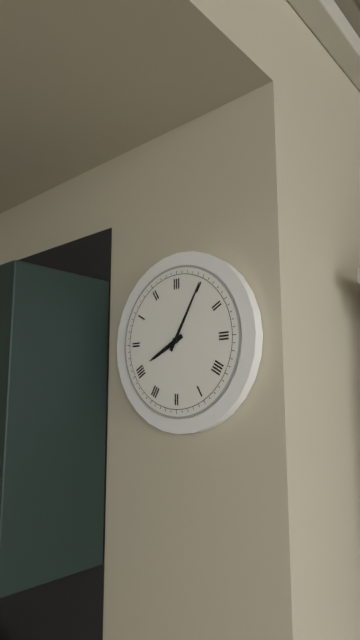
8:05
